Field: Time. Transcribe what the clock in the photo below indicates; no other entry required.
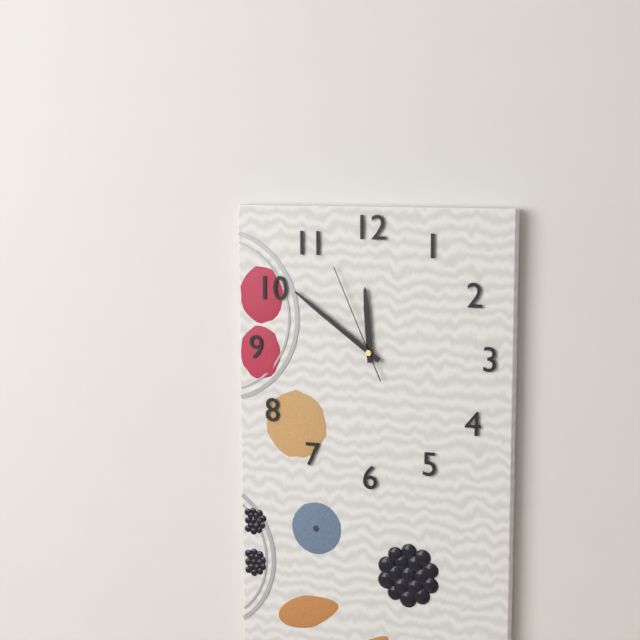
11:51:56
